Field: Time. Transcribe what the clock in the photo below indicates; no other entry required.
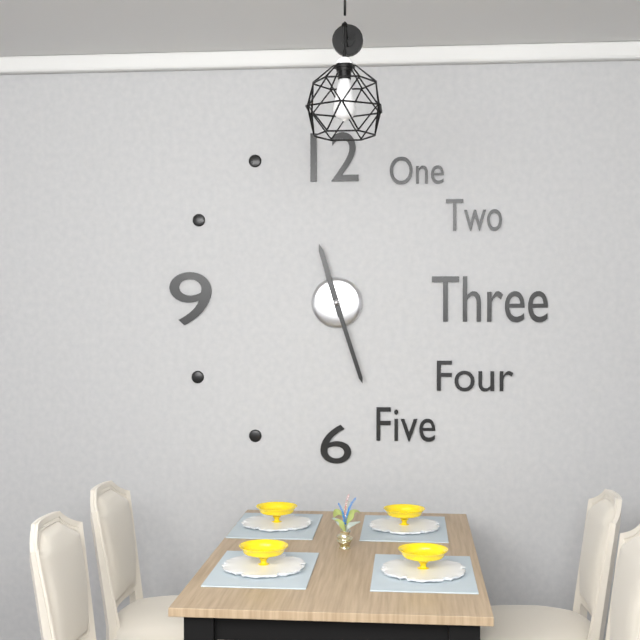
11:27
